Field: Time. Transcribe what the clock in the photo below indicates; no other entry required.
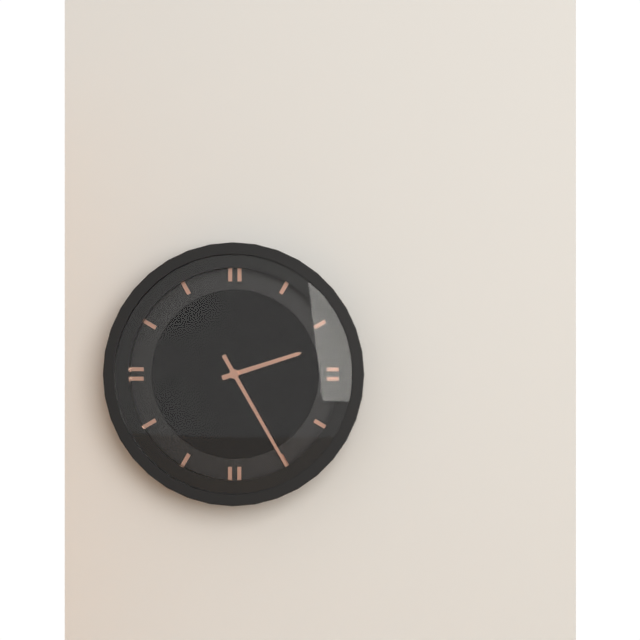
2:25
